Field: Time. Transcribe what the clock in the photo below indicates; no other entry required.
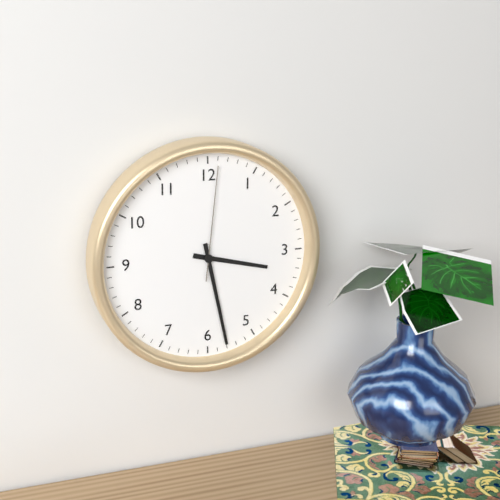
3:28:01
